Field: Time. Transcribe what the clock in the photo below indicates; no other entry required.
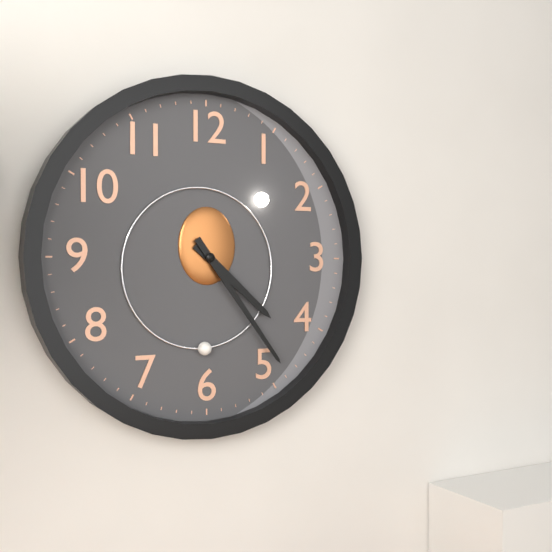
4:24
